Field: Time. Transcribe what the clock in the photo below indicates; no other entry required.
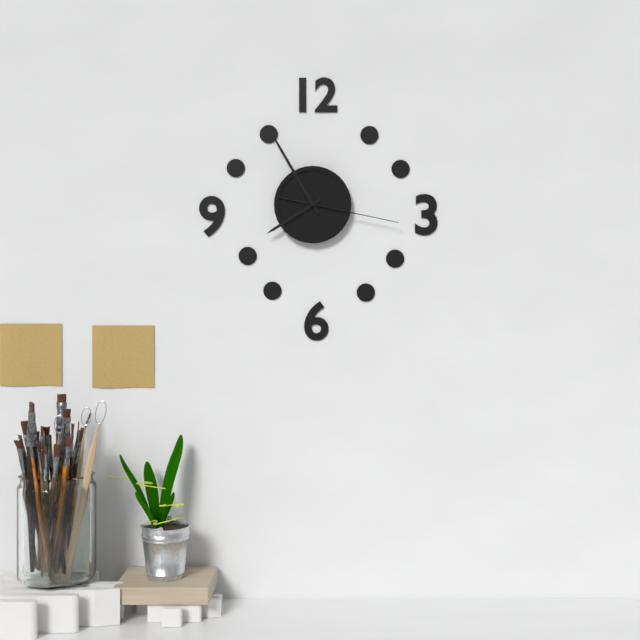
7:55:17
